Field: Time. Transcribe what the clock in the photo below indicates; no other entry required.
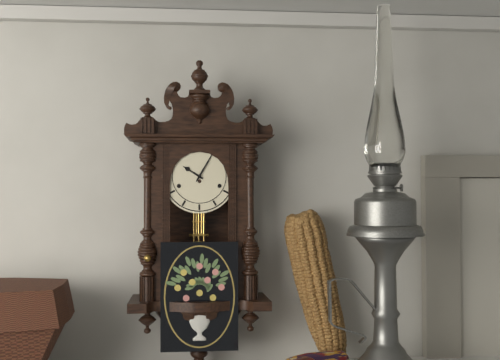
10:05
